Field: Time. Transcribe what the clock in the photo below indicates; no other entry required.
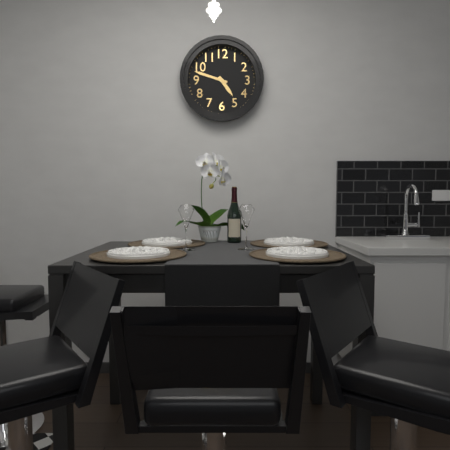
4:48
